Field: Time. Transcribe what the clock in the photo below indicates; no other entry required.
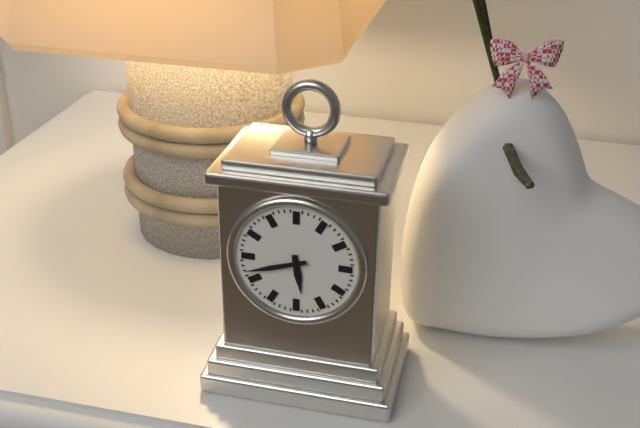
5:42
